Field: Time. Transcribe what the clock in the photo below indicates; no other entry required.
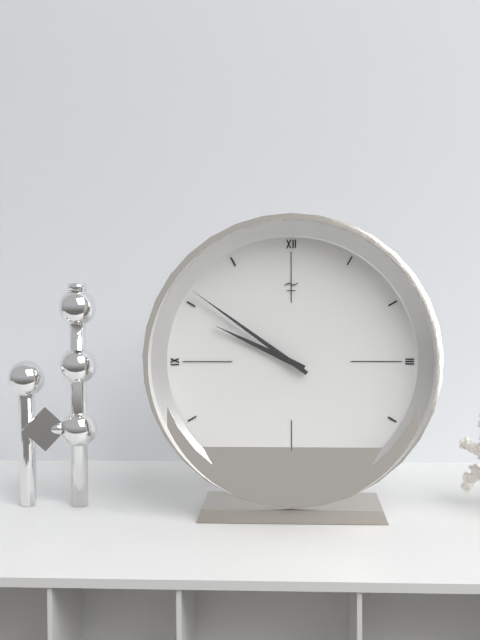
9:51
